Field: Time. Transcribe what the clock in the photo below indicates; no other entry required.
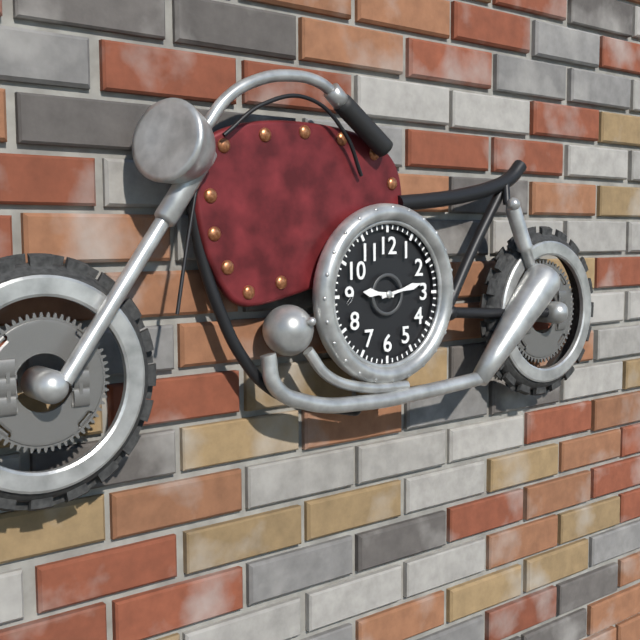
9:13
